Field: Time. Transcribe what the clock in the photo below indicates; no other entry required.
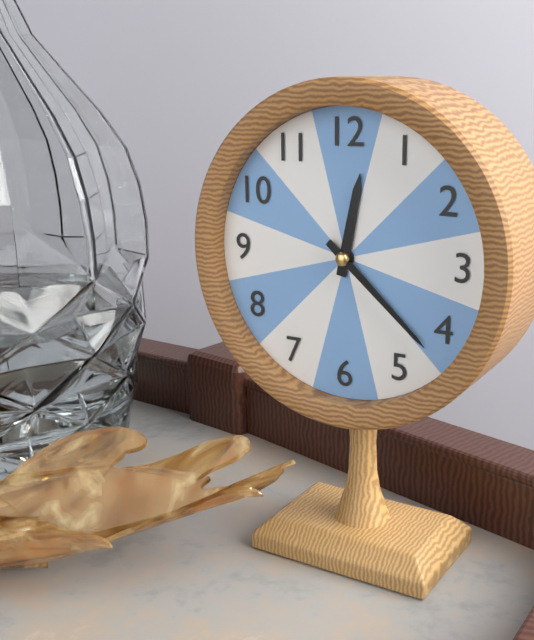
12:22
